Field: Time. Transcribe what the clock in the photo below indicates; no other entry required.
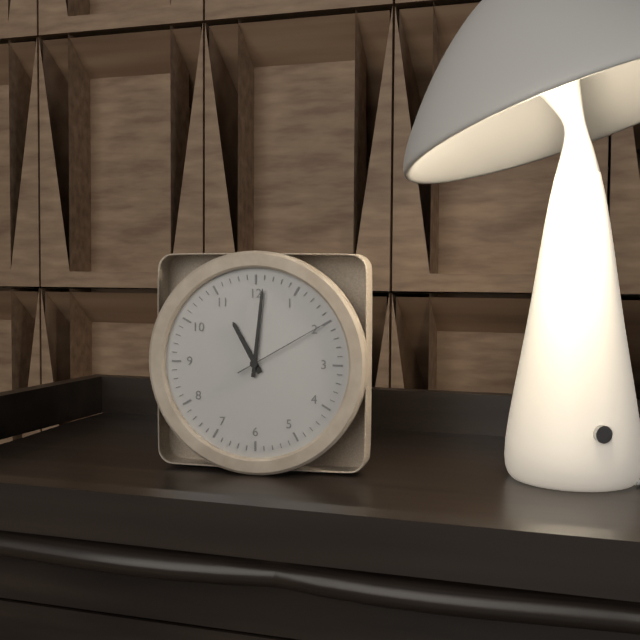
11:01:10
